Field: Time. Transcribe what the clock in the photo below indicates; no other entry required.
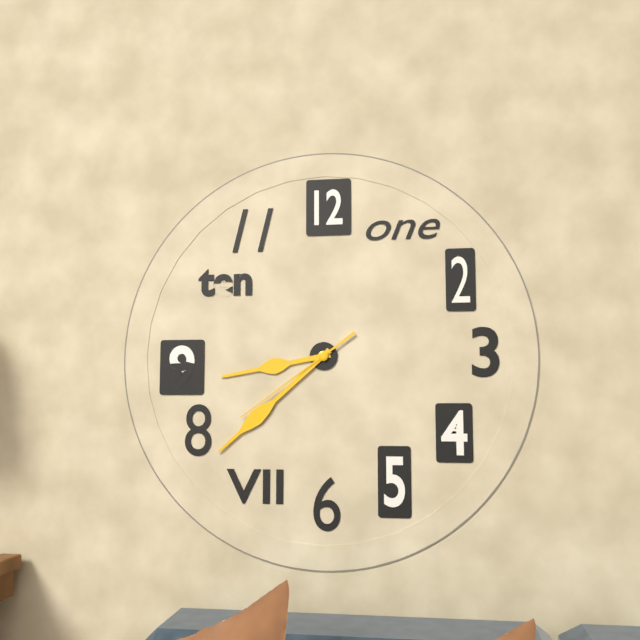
8:38:39
